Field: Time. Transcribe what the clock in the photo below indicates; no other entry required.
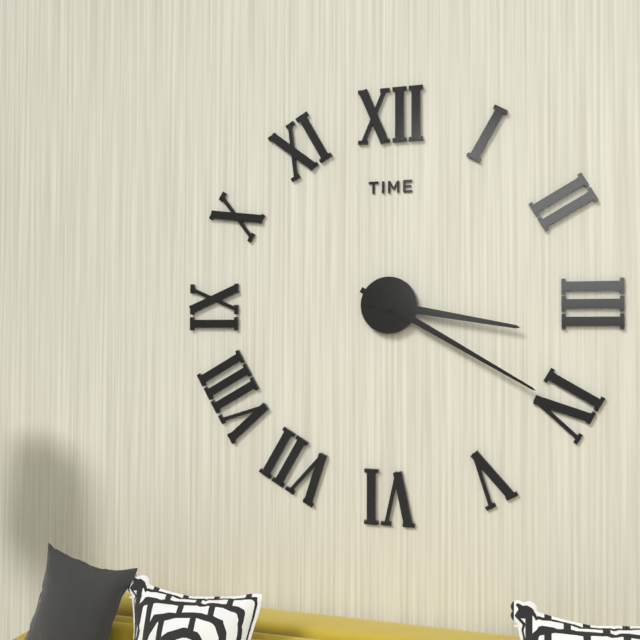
3:20
